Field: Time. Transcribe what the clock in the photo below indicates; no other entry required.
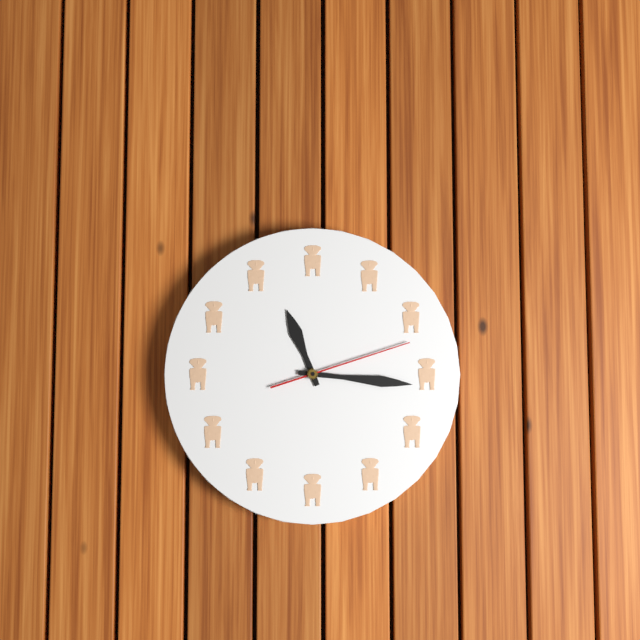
11:16:12
